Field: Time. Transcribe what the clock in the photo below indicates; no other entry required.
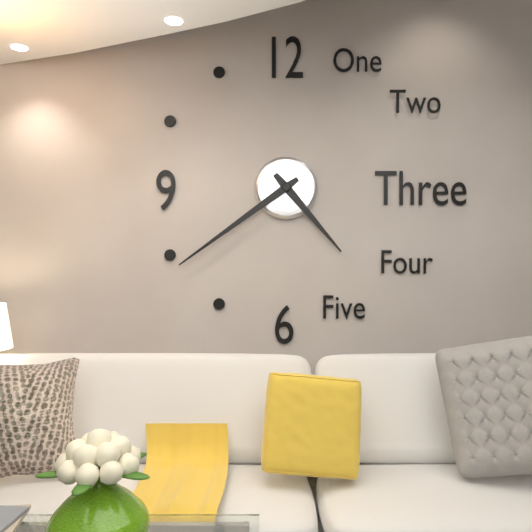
4:39
